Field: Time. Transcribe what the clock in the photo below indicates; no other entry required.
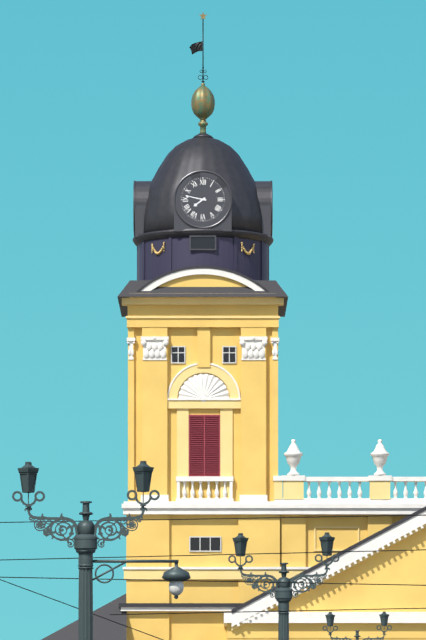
7:47
